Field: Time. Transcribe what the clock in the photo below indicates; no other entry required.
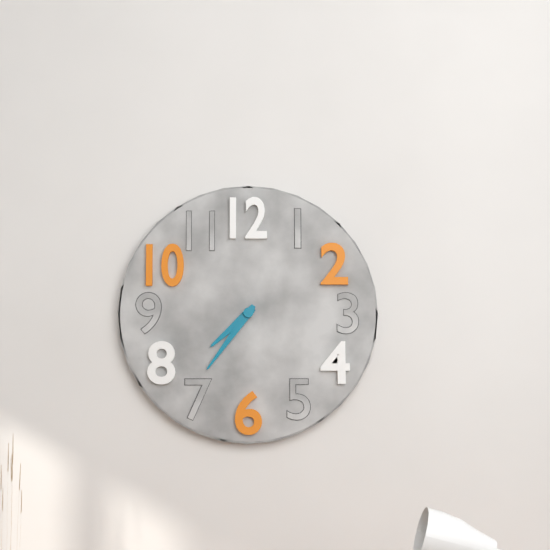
7:36
